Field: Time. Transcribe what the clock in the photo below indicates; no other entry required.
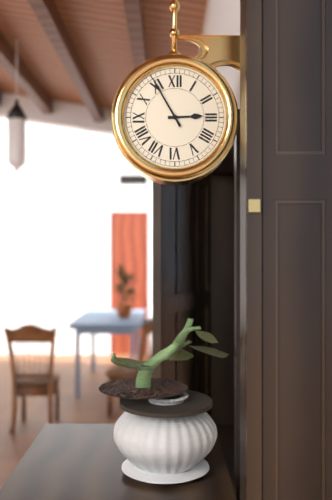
2:55
